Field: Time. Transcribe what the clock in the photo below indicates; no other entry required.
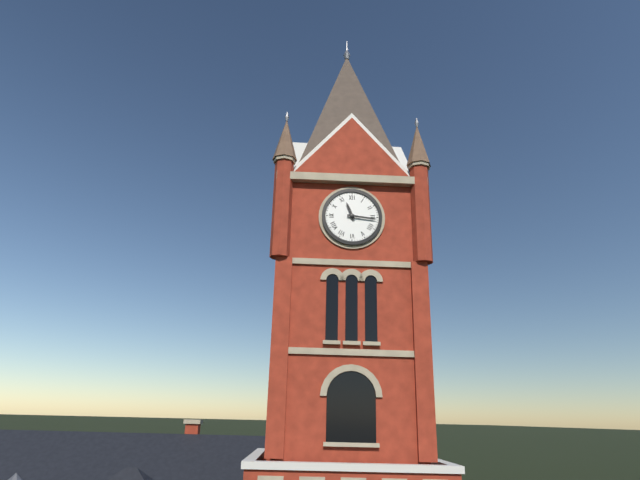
11:16
